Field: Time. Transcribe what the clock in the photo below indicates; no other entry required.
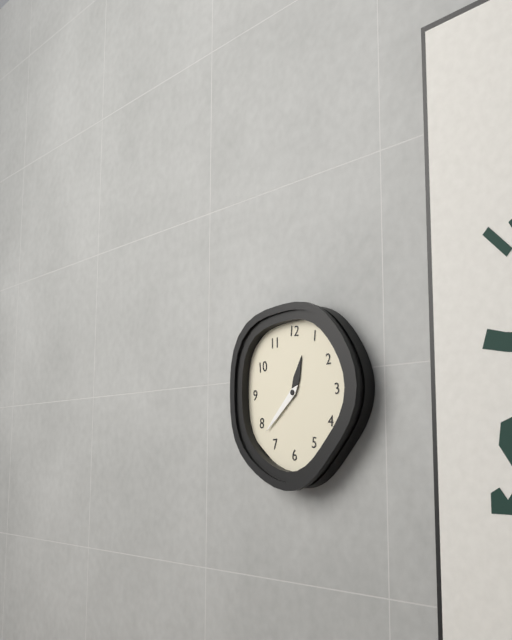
12:38
